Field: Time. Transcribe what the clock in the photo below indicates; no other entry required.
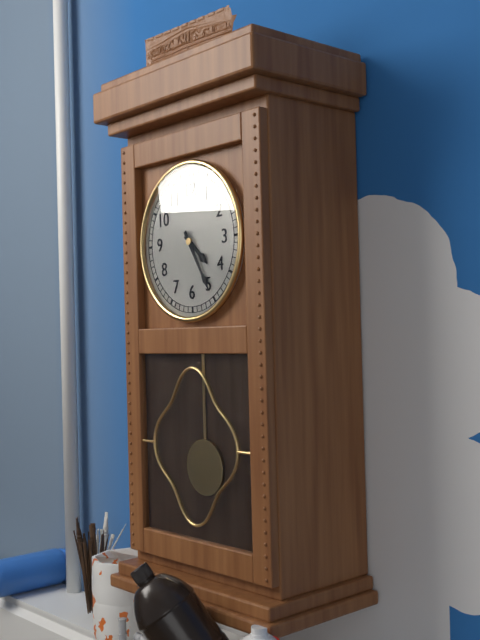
4:25
